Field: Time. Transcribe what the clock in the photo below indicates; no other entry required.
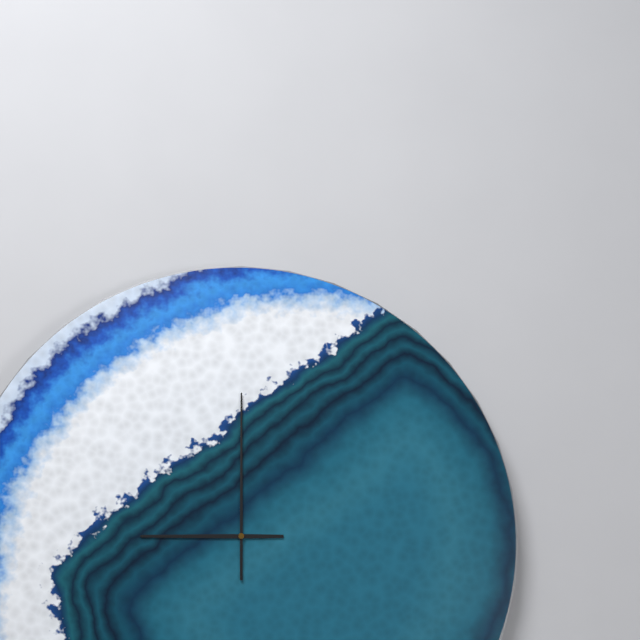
9:00
